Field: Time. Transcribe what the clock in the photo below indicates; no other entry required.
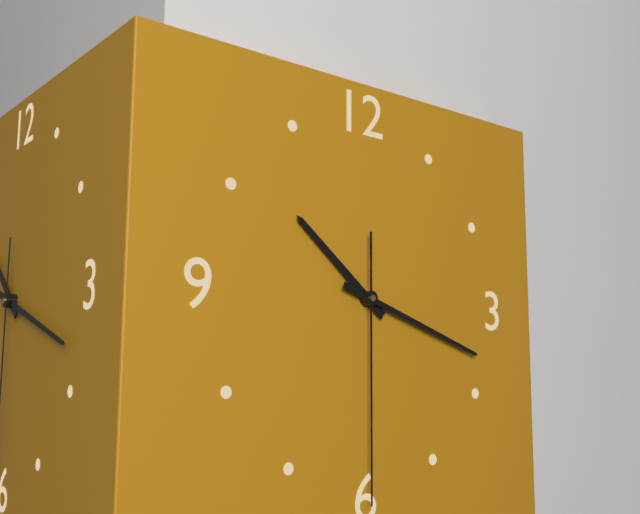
10:18:30
